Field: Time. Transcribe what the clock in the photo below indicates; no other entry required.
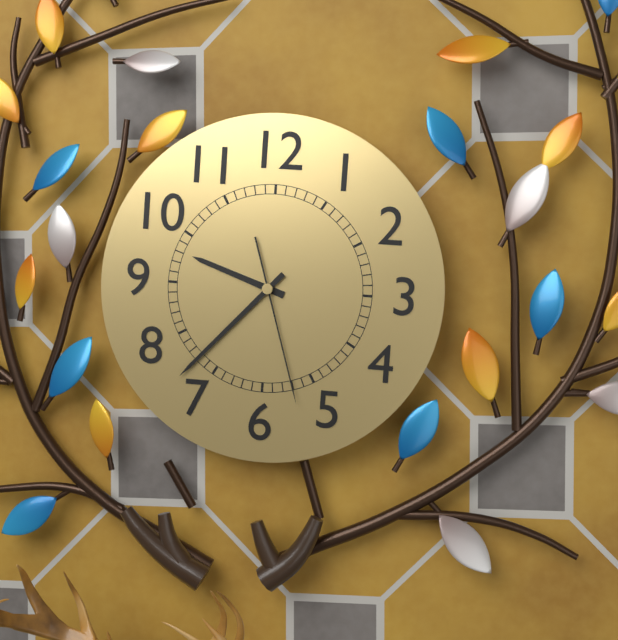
9:37:27
